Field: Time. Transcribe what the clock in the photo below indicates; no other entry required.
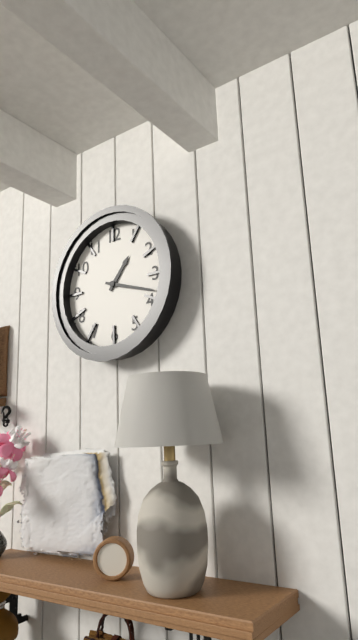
1:18
